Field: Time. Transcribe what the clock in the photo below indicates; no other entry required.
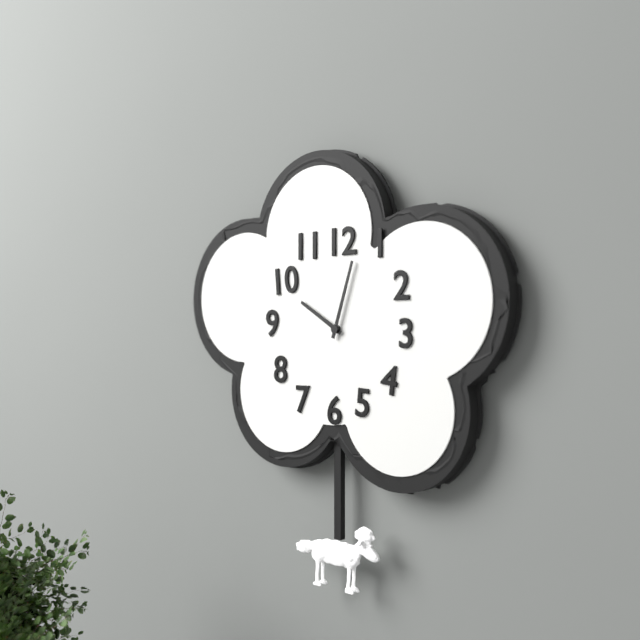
10:03
